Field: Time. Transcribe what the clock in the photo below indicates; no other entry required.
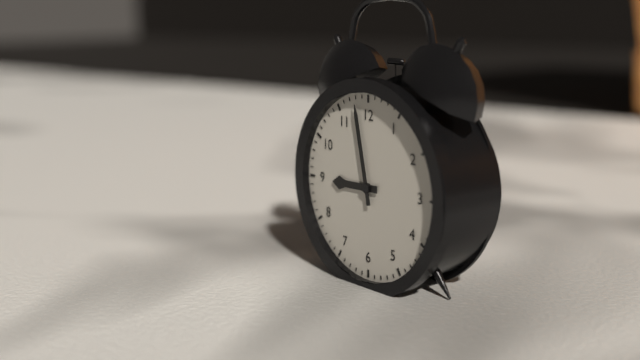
8:58
